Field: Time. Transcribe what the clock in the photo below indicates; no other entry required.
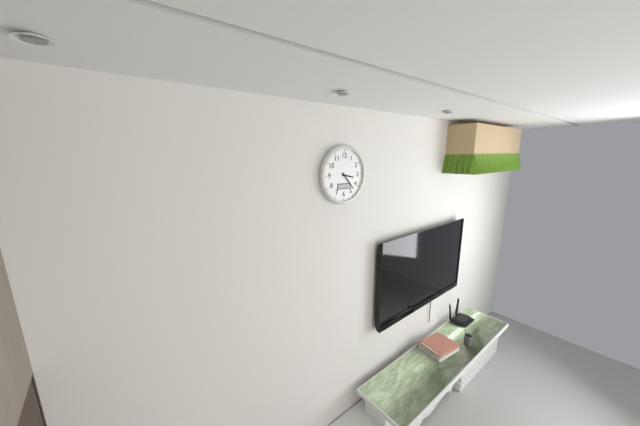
3:23
